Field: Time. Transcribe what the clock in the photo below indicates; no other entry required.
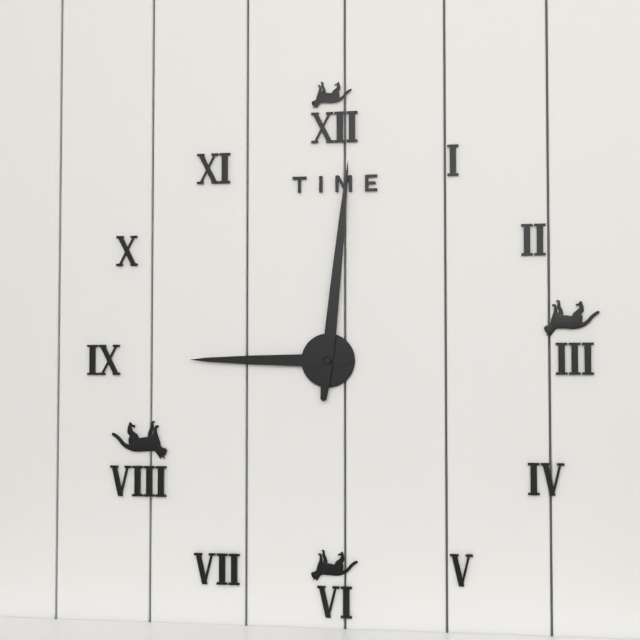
9:01
